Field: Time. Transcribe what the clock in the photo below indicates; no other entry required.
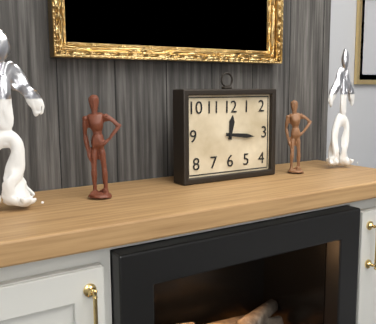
12:16
